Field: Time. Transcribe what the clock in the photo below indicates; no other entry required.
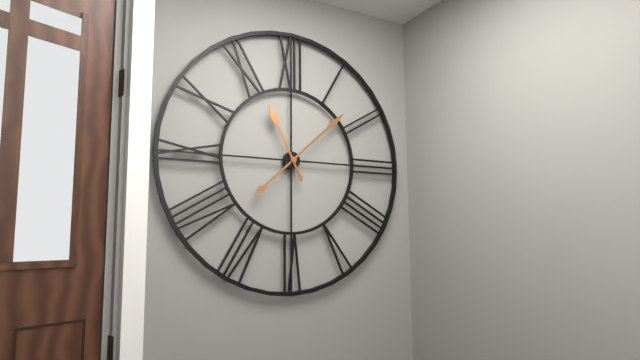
11:08
